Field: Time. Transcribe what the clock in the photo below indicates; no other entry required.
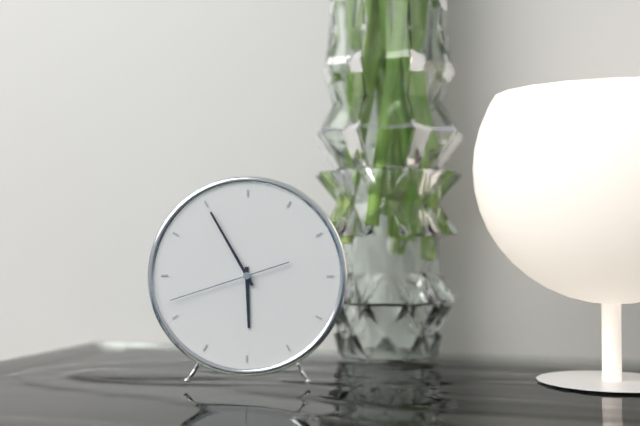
5:55:42
